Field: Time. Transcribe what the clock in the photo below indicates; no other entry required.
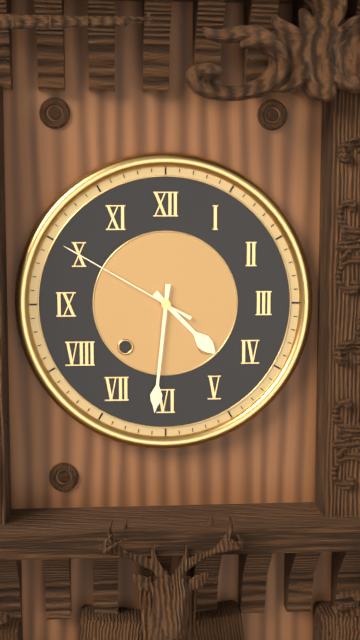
4:31:50
